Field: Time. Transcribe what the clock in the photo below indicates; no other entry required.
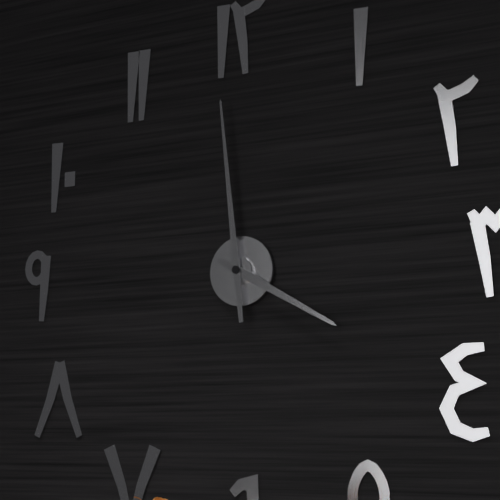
3:59
